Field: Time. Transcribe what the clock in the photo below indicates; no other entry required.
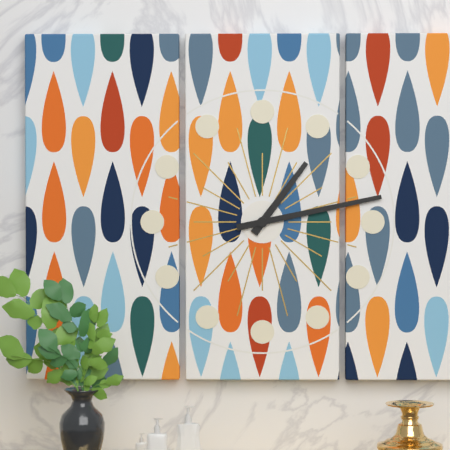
1:13
